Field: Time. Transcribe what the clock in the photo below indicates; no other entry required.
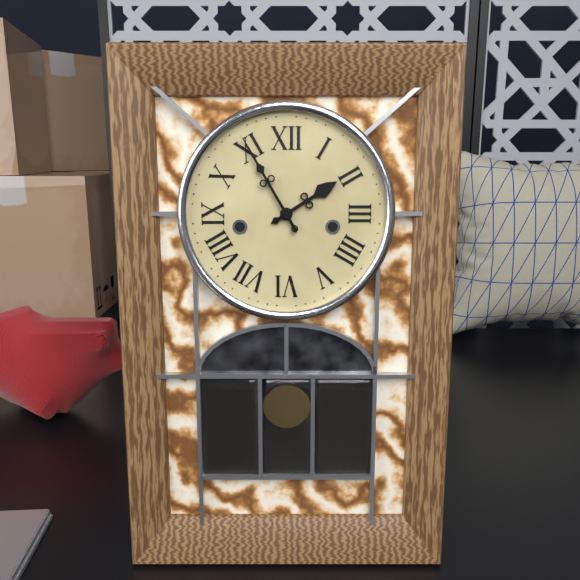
1:55
